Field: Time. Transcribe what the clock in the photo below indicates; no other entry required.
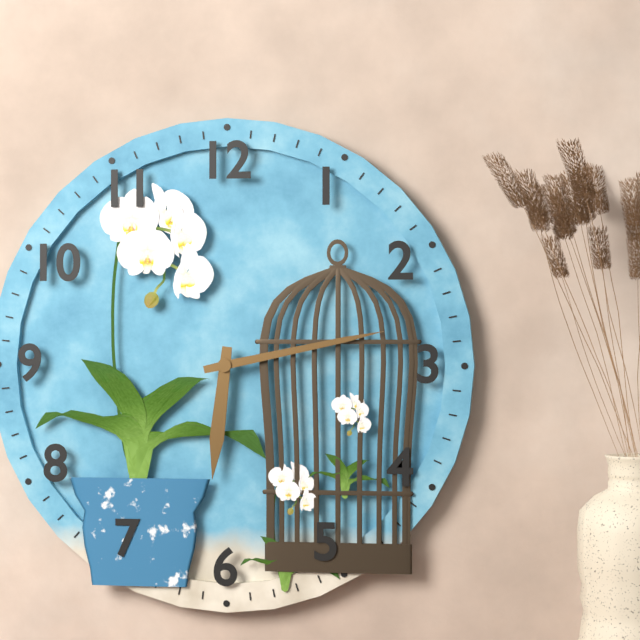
6:13
